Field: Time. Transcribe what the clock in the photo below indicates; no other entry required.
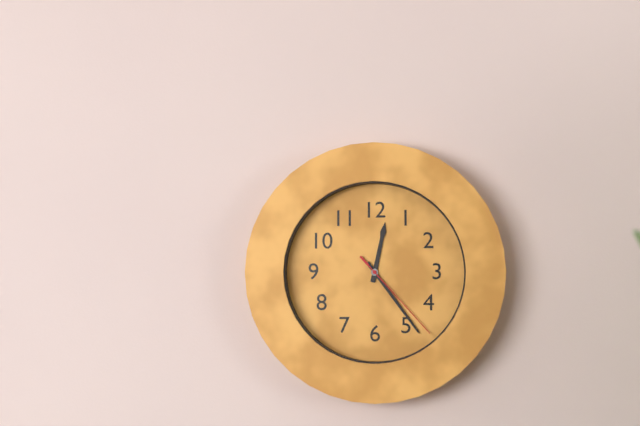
12:24:23
